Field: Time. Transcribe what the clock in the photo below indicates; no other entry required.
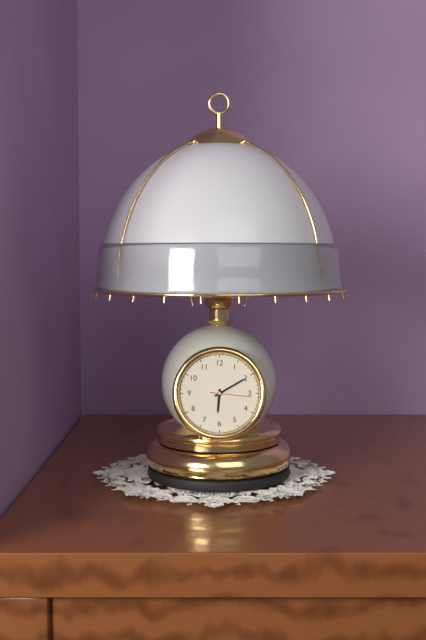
6:10
